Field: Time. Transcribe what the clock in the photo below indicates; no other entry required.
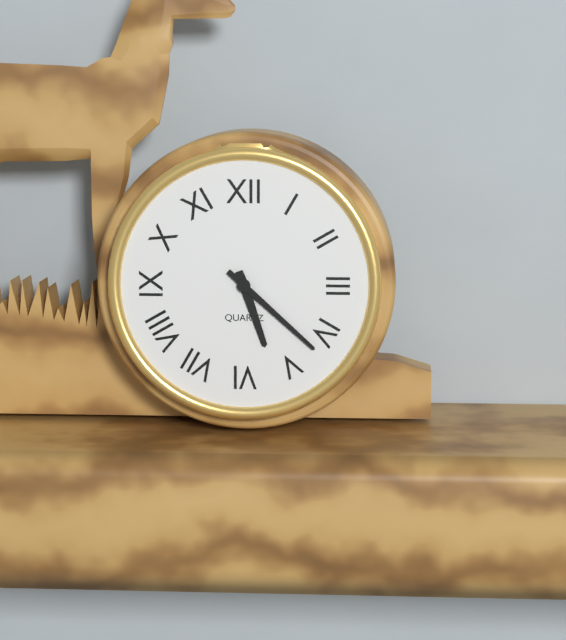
5:22
